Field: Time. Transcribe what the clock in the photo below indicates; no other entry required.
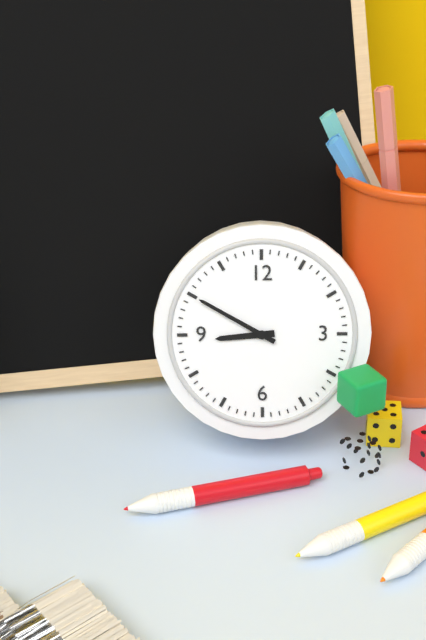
8:50
